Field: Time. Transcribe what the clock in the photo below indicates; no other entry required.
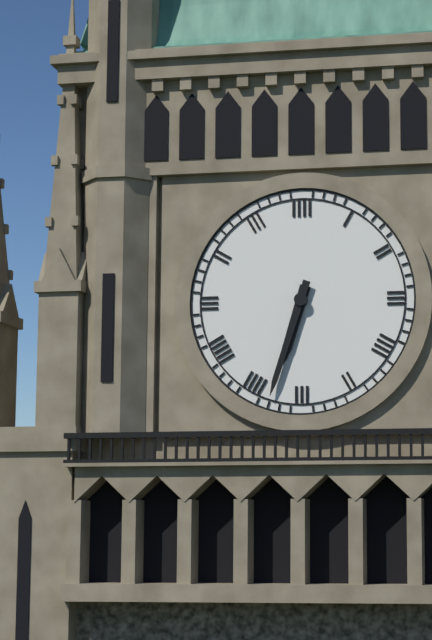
6:33
